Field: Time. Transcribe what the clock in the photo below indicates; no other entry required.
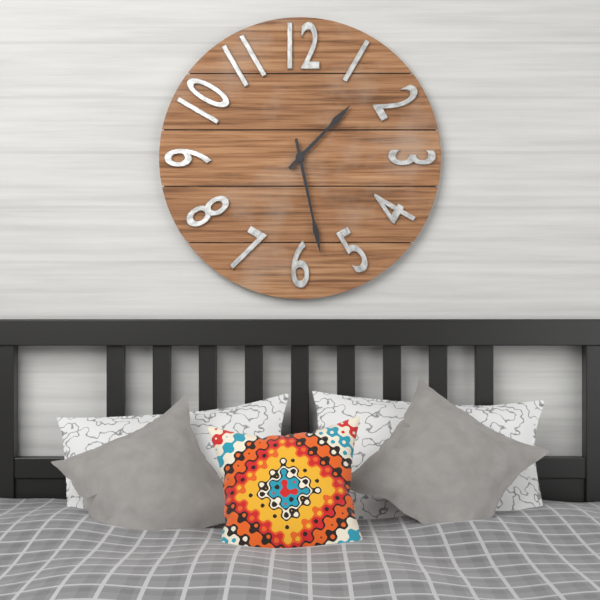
1:28
